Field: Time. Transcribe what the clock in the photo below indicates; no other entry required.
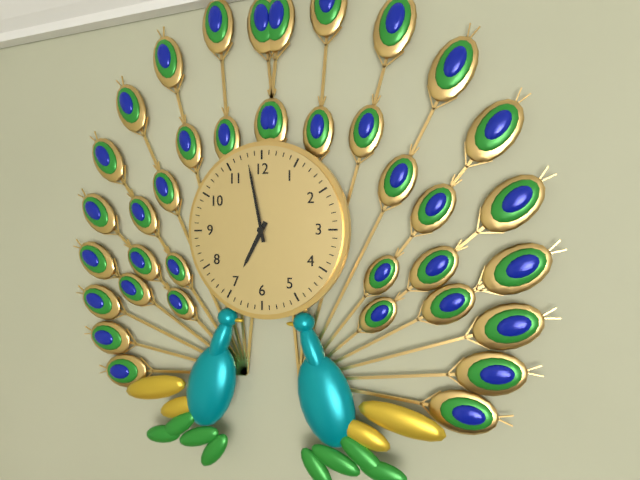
6:58
